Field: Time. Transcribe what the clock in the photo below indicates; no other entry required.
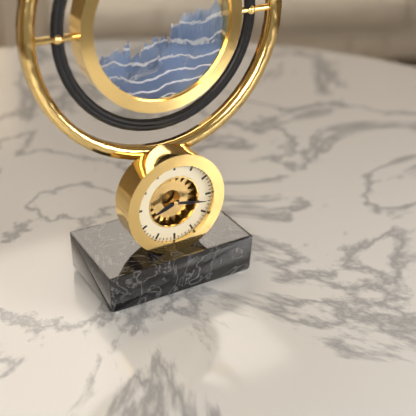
8:17
